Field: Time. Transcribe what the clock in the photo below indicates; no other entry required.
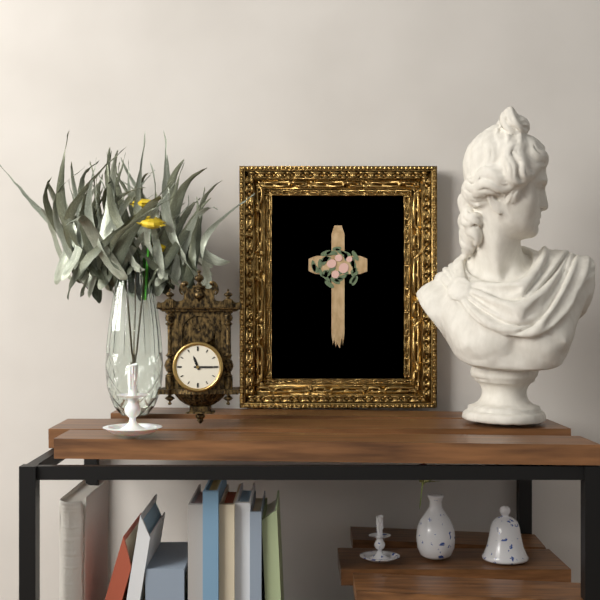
11:15
